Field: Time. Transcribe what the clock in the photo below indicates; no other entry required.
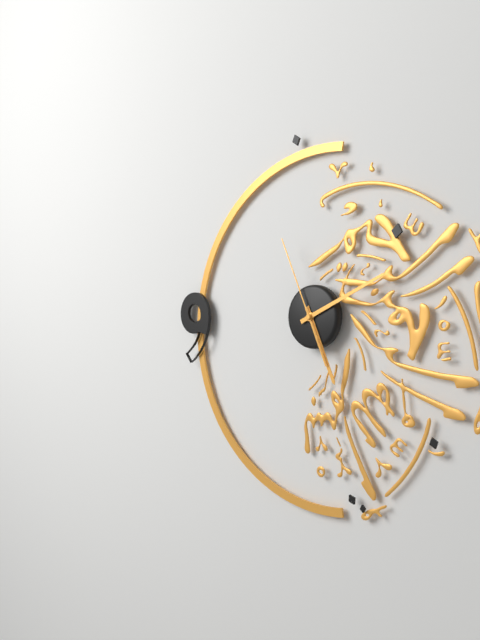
5:11:56
